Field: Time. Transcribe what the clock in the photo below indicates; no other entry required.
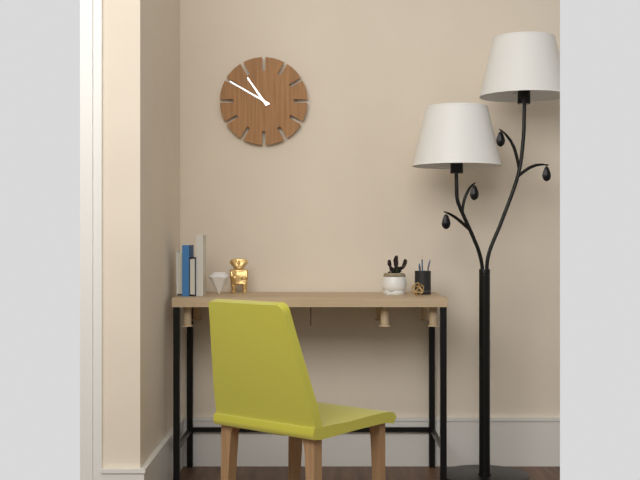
10:50
